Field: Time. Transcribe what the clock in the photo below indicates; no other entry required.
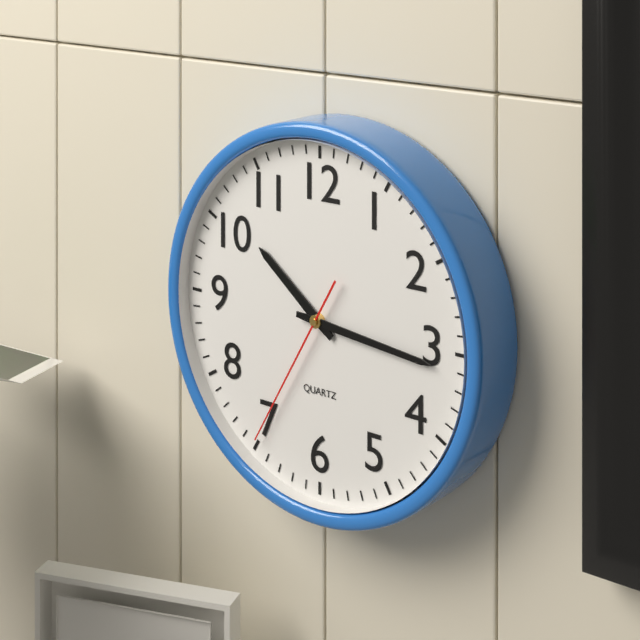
10:16:35
